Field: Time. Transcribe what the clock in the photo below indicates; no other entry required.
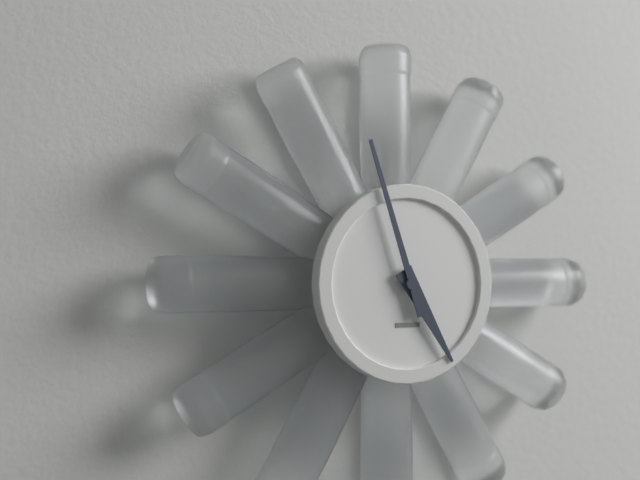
4:57
